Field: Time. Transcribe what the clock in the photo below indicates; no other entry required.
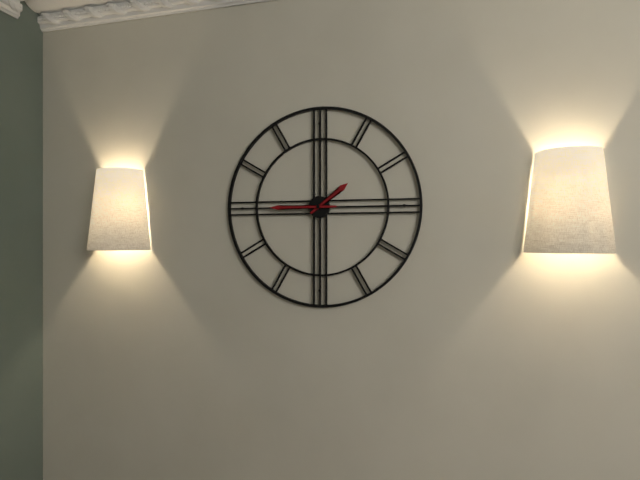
1:45
